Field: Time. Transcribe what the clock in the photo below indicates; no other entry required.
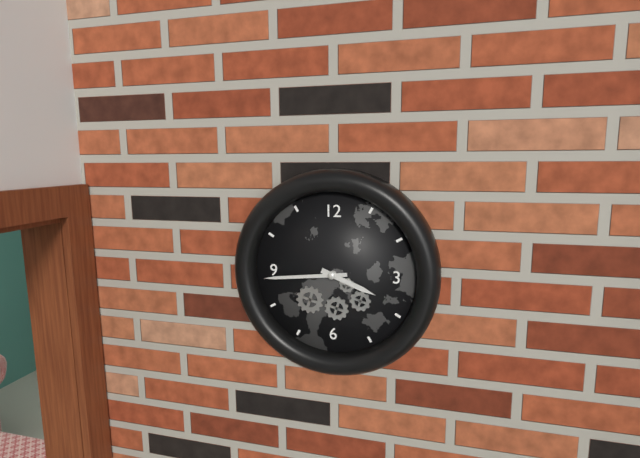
3:44
